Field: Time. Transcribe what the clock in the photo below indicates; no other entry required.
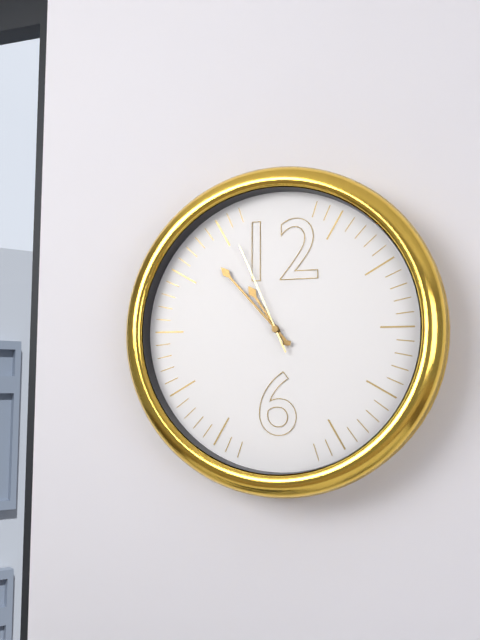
10:53:56
